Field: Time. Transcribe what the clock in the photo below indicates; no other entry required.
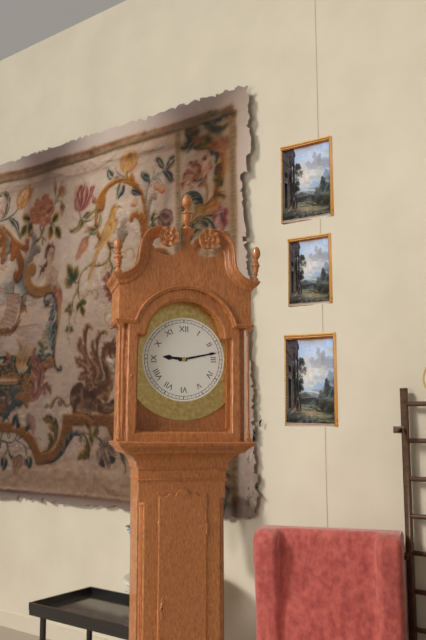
9:13
